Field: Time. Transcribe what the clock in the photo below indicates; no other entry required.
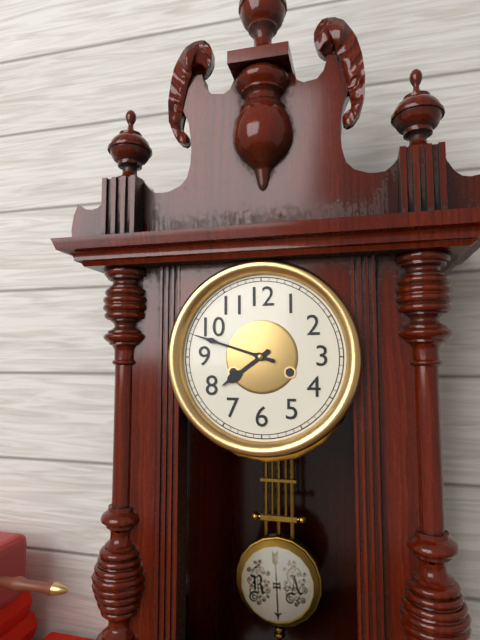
7:48
